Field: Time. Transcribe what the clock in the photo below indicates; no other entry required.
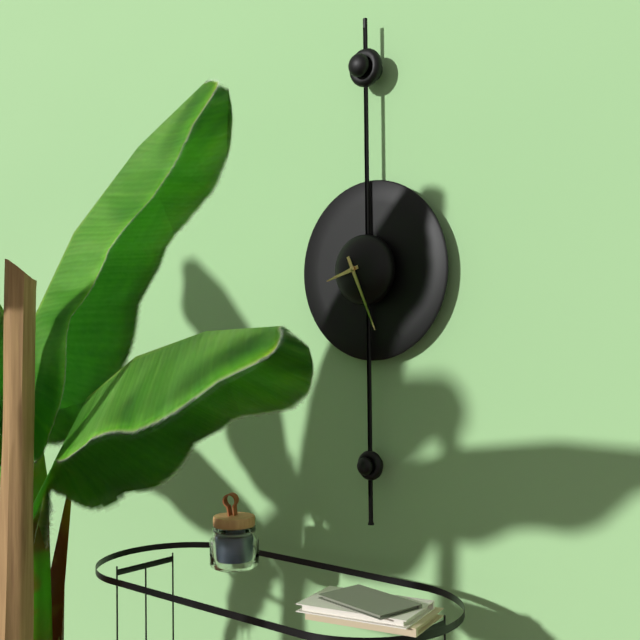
8:26
